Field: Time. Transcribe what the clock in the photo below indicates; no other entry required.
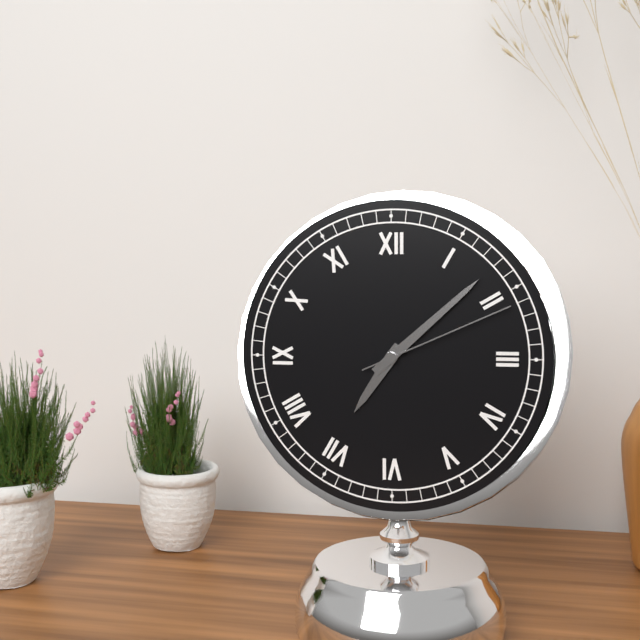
7:08:11
